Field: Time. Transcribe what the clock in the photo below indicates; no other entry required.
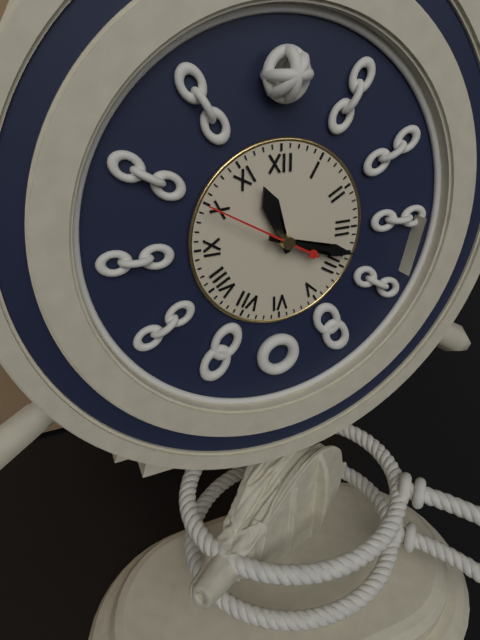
11:18:50
